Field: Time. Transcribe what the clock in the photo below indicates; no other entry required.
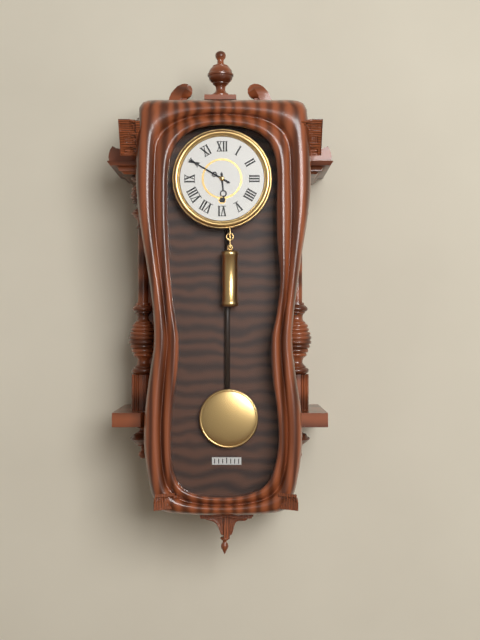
5:50
